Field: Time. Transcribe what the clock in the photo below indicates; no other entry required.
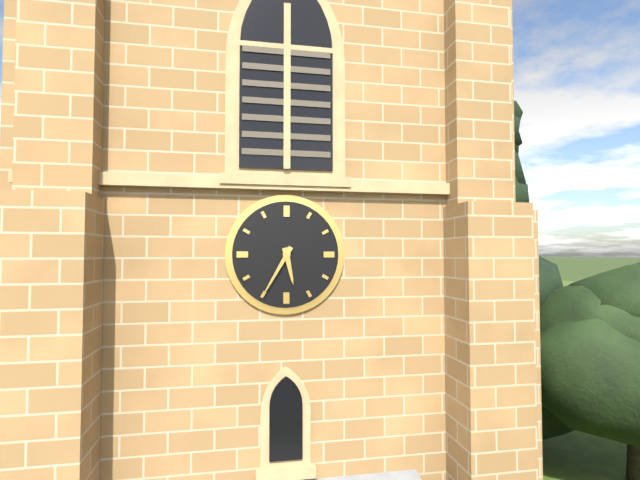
5:35
